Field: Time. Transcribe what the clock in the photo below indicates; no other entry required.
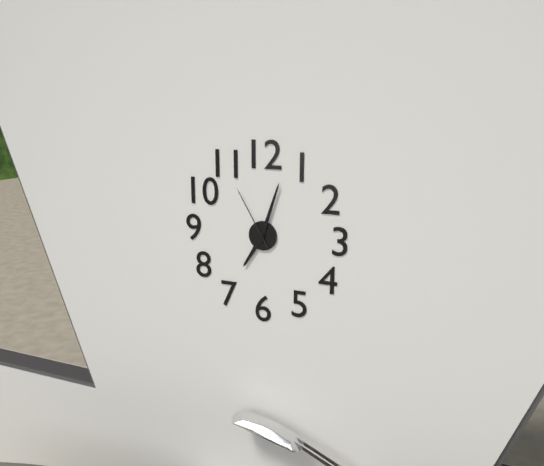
7:03:55
